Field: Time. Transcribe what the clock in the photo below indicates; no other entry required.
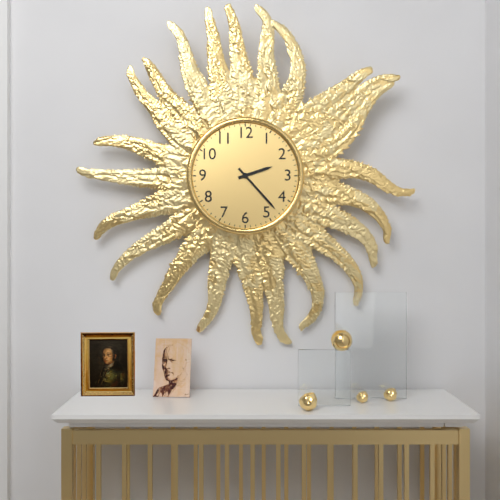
2:23
